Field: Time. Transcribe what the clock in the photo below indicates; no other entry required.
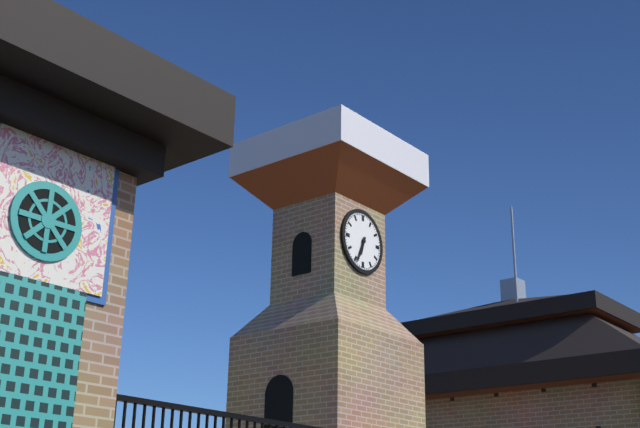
6:34
